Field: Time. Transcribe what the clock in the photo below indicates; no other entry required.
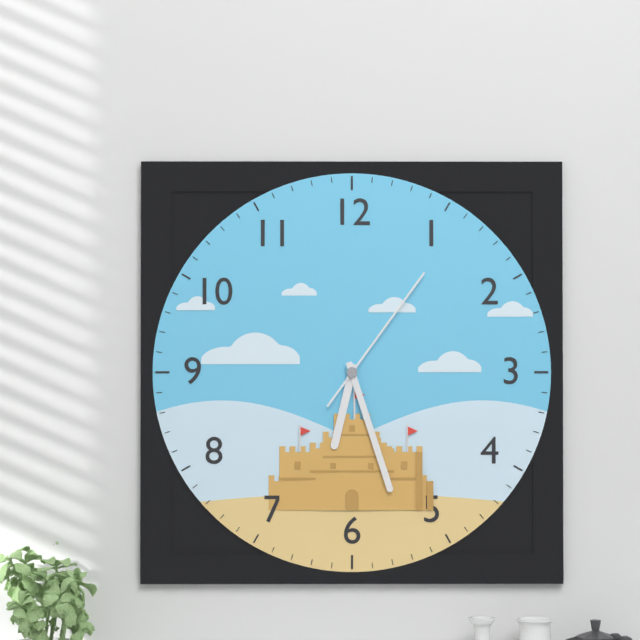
6:27:06
